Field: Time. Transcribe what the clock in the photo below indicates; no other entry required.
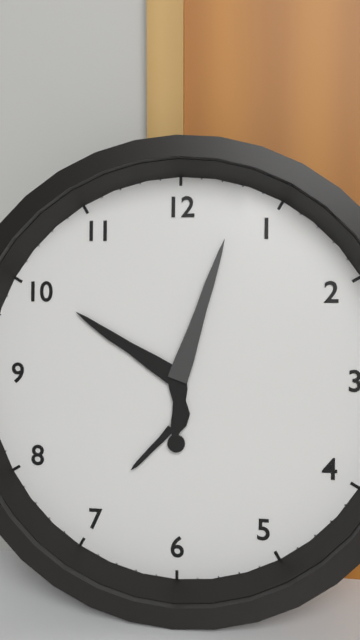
10:03
